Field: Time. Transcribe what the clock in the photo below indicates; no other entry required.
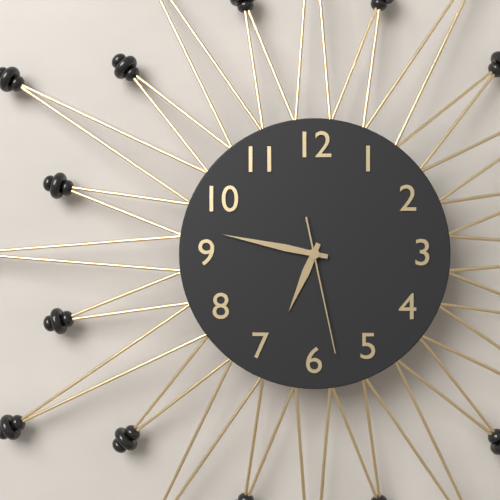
6:47:28
